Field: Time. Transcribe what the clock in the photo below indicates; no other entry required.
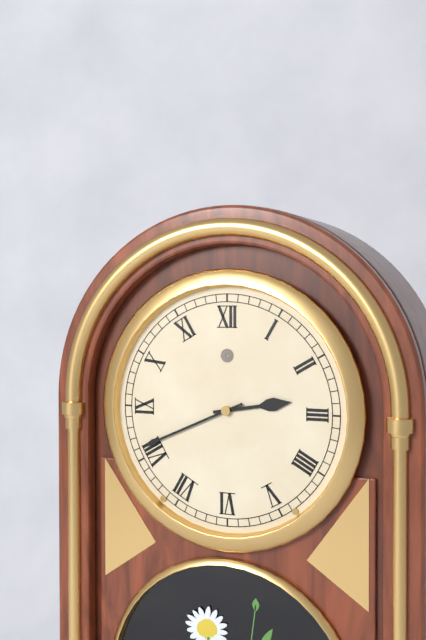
2:41
